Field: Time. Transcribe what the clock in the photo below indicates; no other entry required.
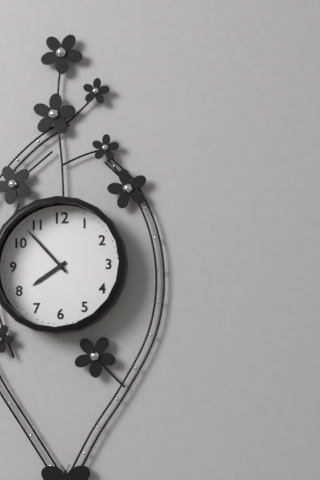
7:53
